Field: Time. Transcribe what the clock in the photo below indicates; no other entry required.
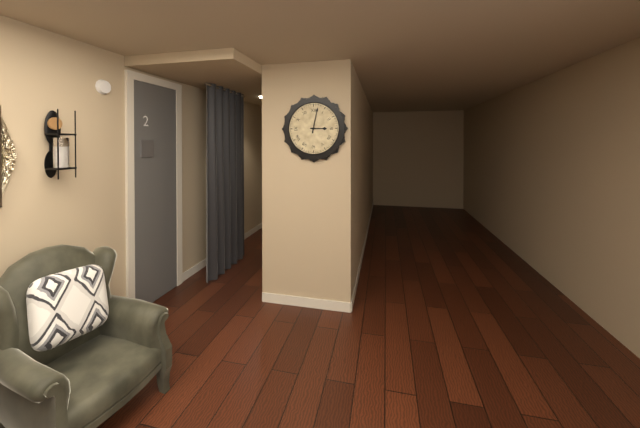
3:02
